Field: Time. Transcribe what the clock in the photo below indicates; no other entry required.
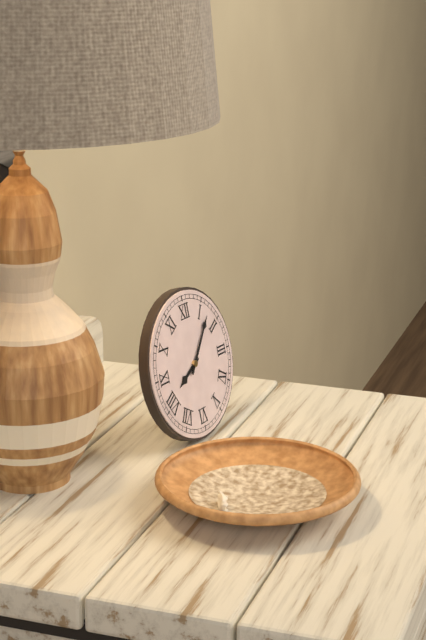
8:07
